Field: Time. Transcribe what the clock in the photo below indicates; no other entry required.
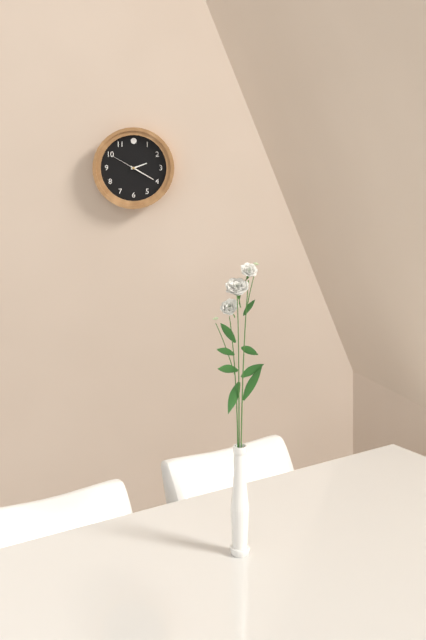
2:20
